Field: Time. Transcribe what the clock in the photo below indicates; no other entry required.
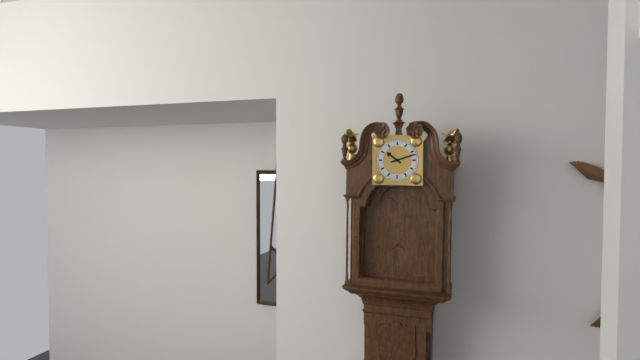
10:12
